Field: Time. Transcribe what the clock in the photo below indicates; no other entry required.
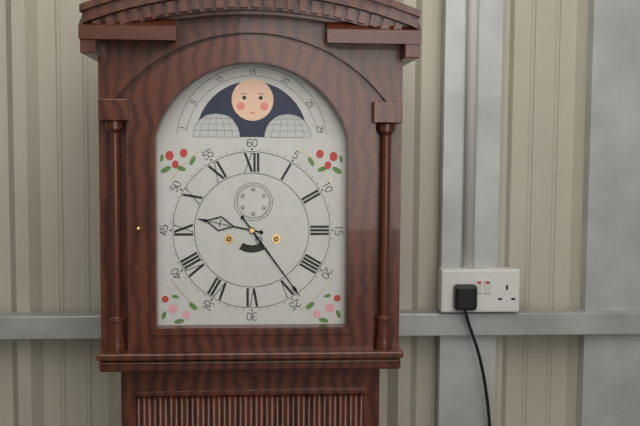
9:24
